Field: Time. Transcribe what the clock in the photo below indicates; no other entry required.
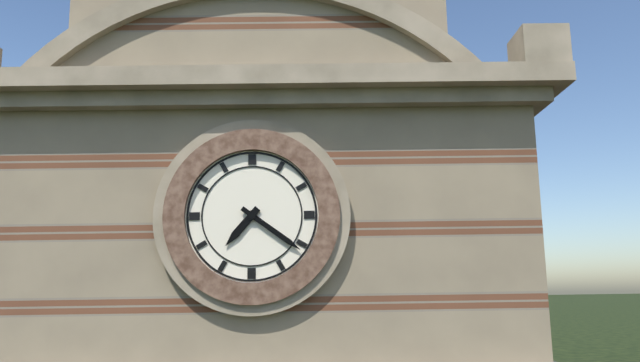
7:21
